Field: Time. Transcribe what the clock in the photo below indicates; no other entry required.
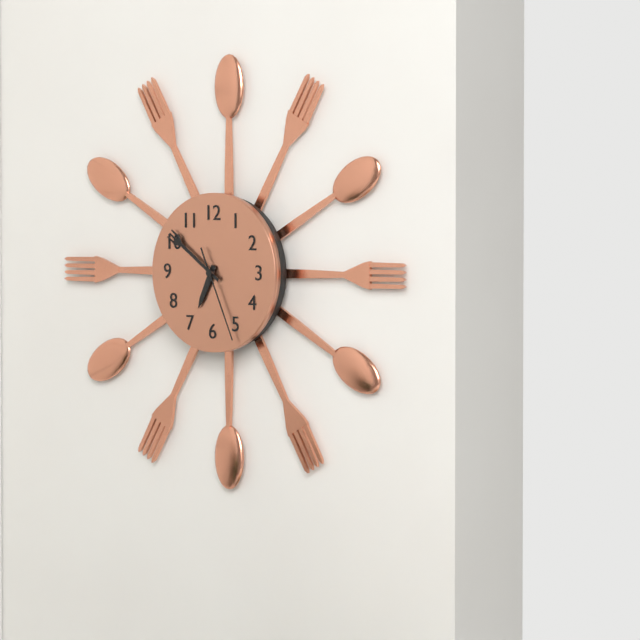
6:51:26
